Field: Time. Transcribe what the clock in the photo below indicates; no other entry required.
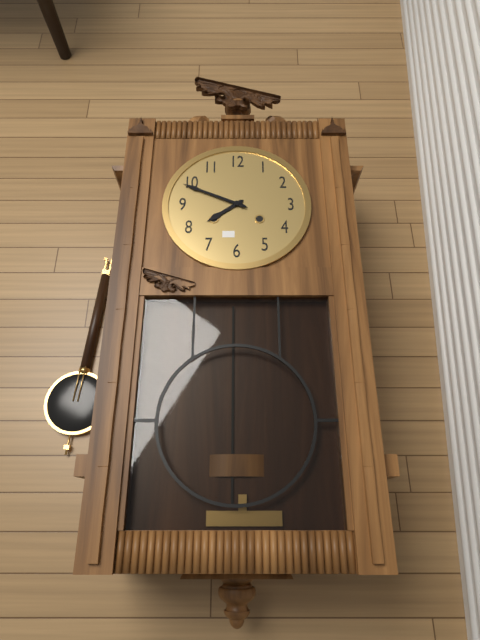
7:49
